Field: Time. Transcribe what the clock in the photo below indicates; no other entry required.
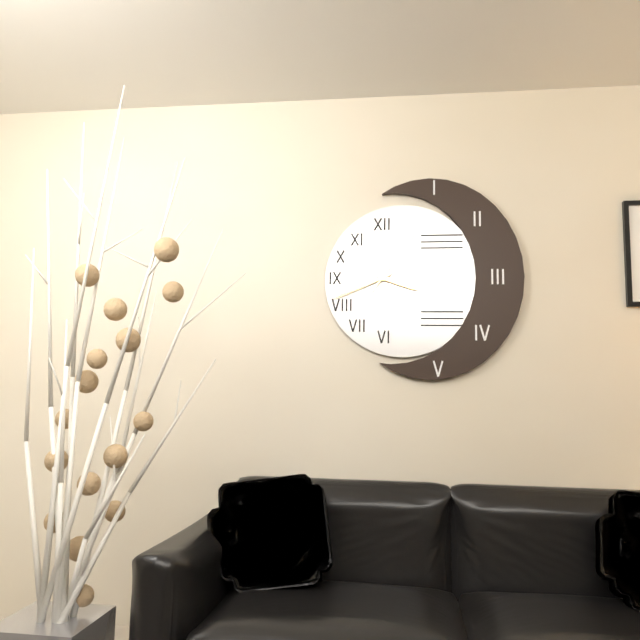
3:41:06
